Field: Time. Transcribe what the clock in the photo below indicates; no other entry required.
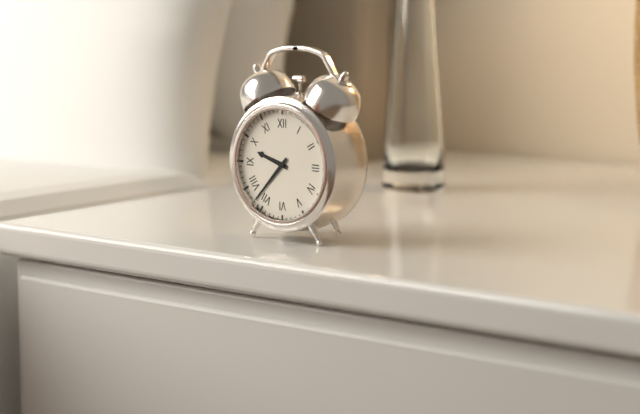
9:37
